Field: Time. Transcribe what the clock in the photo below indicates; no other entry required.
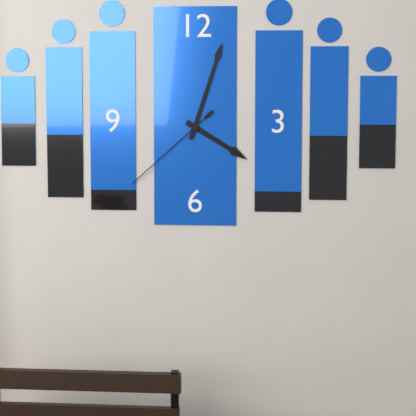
4:03:38
